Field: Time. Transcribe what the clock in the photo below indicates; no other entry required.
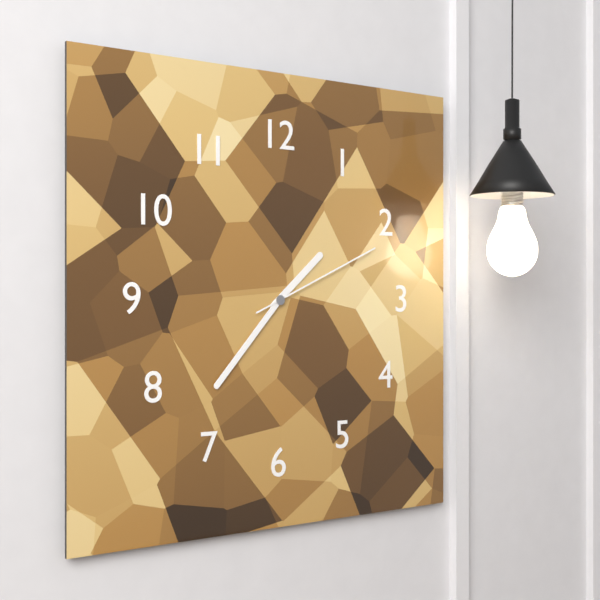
1:37:11
